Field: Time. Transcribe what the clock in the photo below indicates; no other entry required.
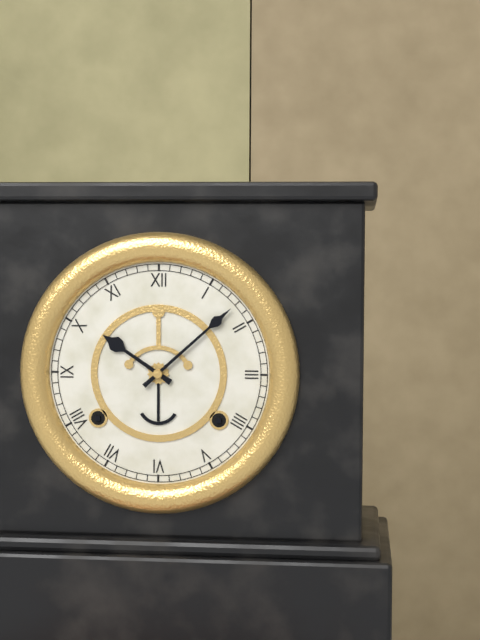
10:08
